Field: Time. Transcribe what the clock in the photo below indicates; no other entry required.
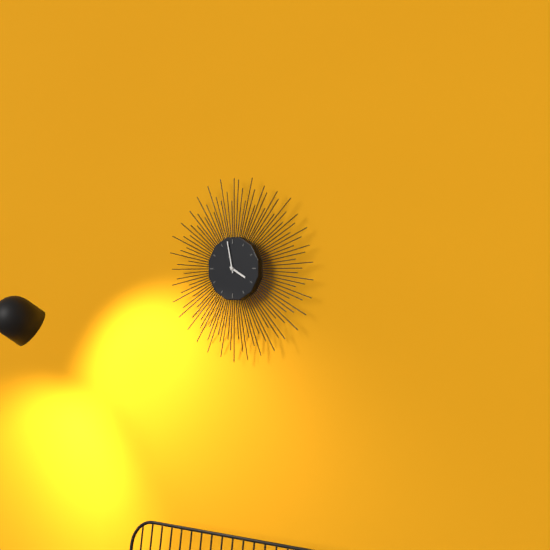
3:58
